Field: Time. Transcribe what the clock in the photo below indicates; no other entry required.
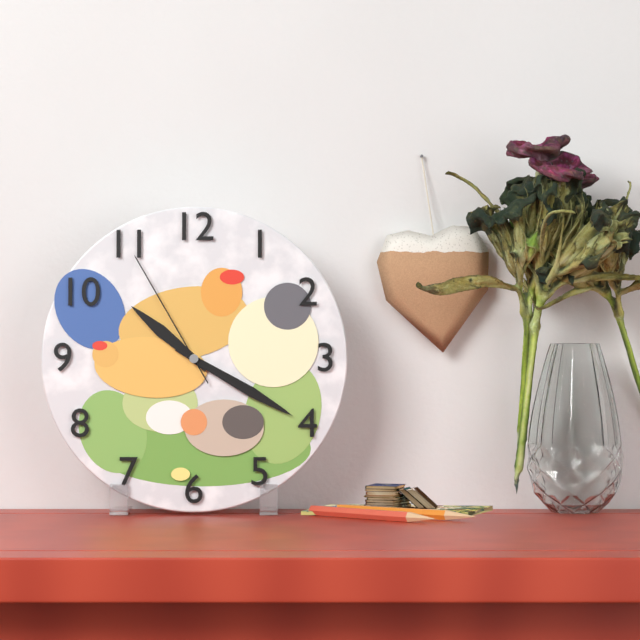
10:20:55
